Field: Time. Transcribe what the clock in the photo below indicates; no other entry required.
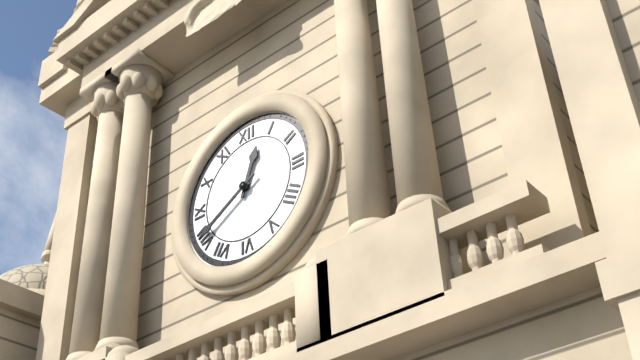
12:40
